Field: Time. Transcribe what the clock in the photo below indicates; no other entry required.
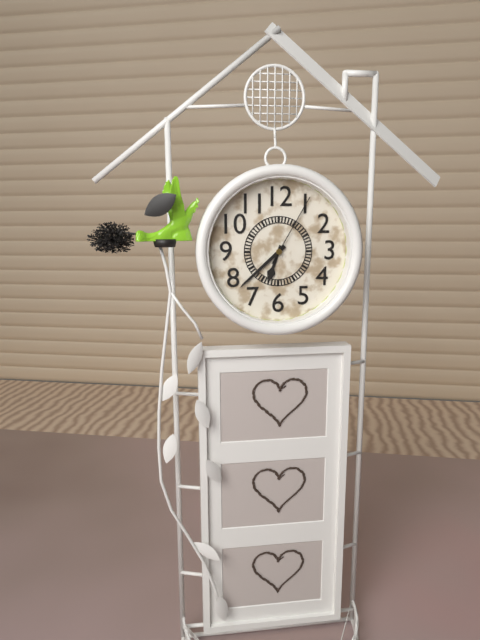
6:38:05
